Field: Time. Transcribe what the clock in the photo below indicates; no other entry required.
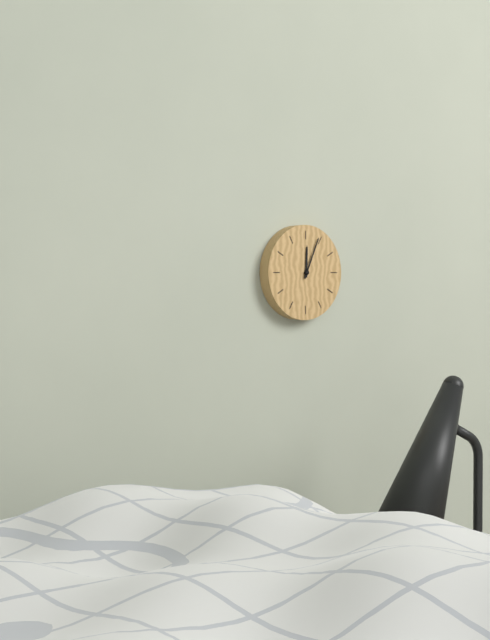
12:04
